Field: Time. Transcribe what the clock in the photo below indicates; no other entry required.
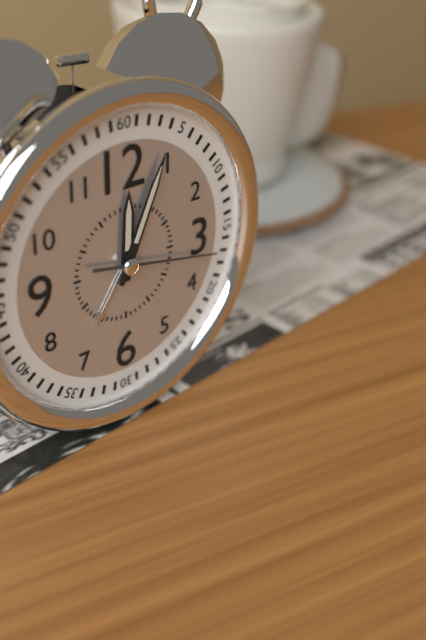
12:04:17
